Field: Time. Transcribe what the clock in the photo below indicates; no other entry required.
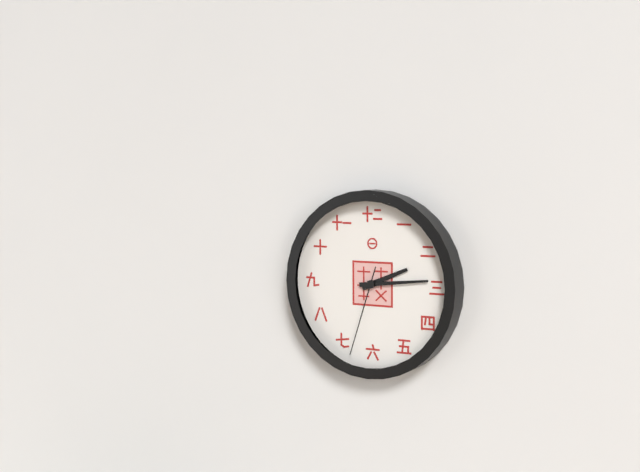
2:14:33
